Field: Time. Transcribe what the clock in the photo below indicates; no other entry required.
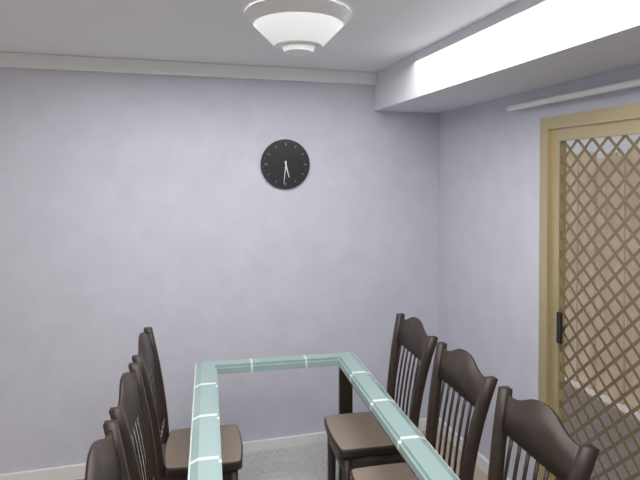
5:31
